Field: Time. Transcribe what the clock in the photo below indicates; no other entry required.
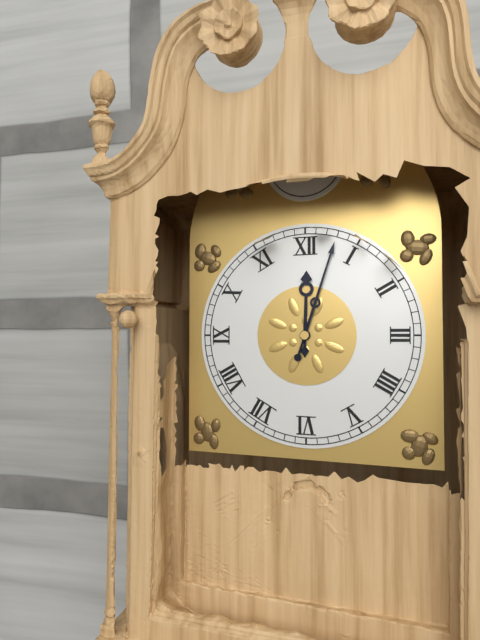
12:03
